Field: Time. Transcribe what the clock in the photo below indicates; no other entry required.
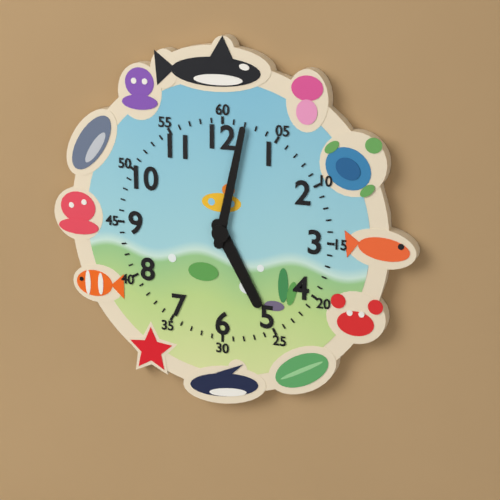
5:02
